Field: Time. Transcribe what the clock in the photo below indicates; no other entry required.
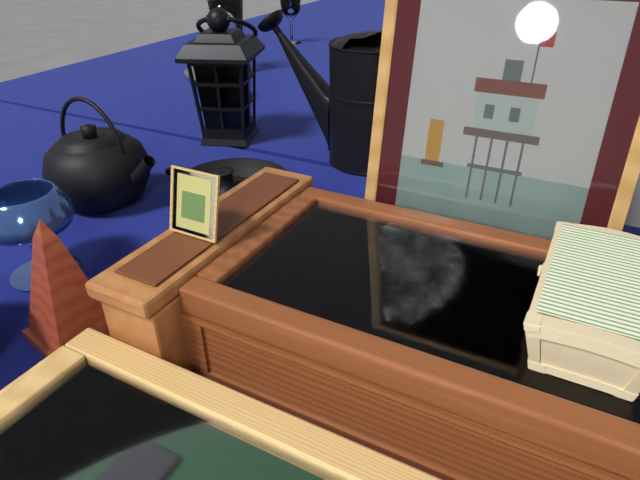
10:38
